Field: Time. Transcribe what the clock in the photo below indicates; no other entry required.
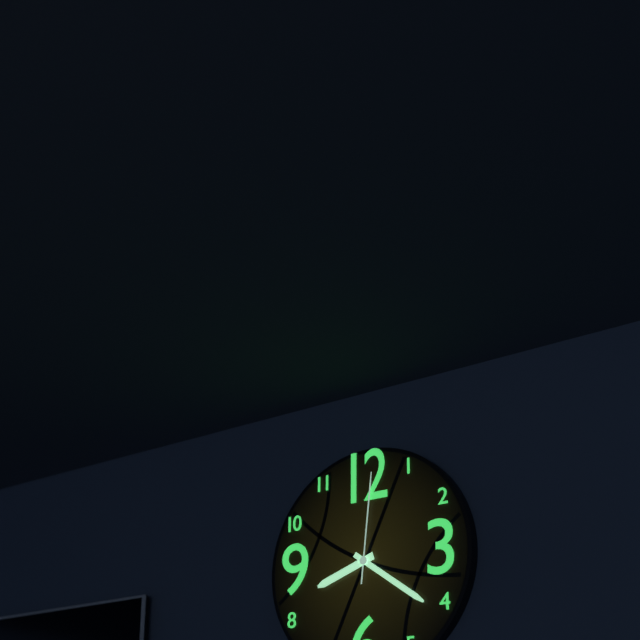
8:21:01
